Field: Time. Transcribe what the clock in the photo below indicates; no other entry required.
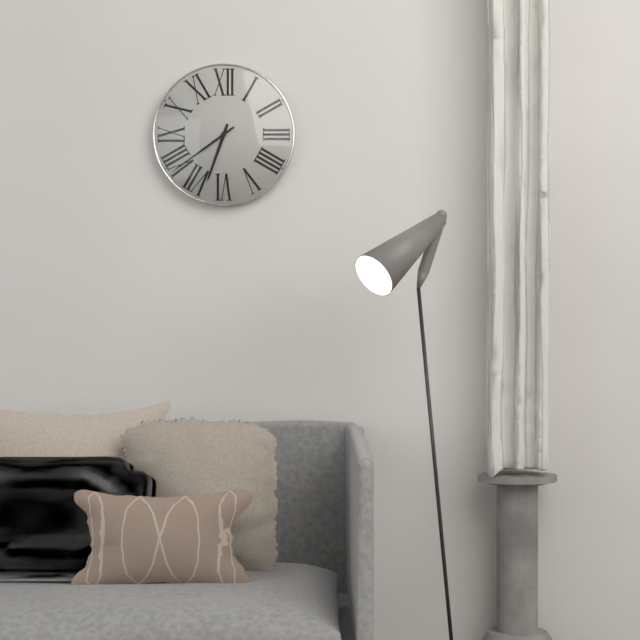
6:39
